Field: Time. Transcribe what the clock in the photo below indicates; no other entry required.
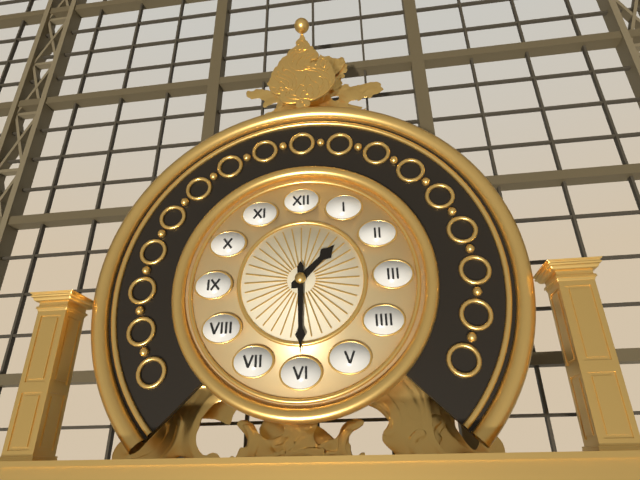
1:30
